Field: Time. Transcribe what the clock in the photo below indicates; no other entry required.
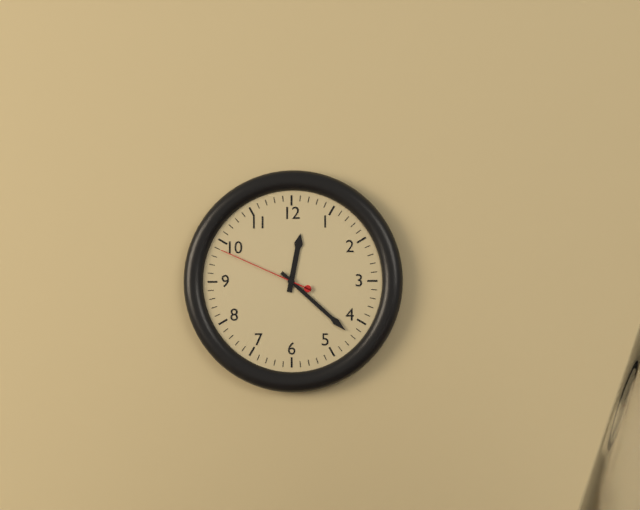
12:22:49
